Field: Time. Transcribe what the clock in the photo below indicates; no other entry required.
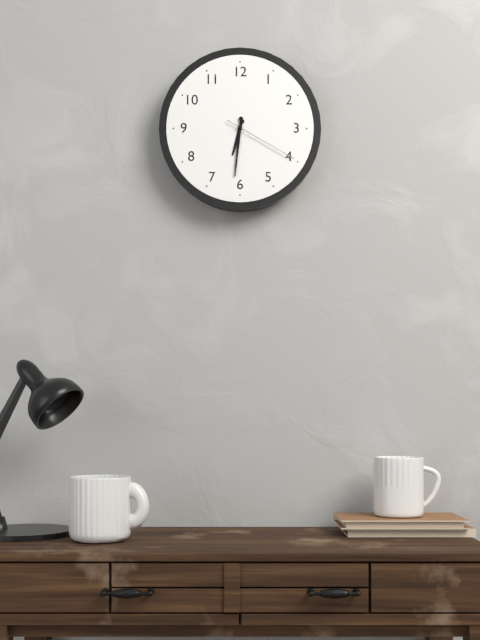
6:31:20
